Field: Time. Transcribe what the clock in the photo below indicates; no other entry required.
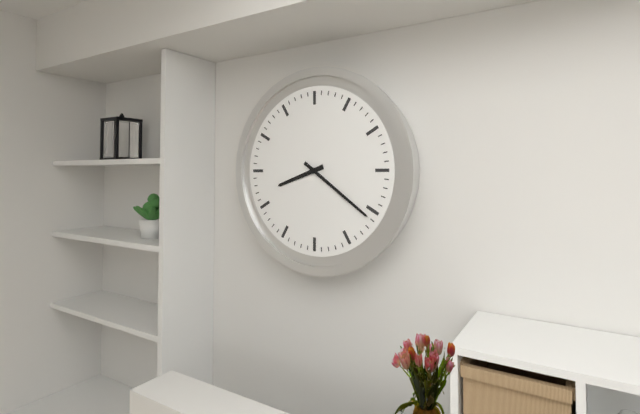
8:21
